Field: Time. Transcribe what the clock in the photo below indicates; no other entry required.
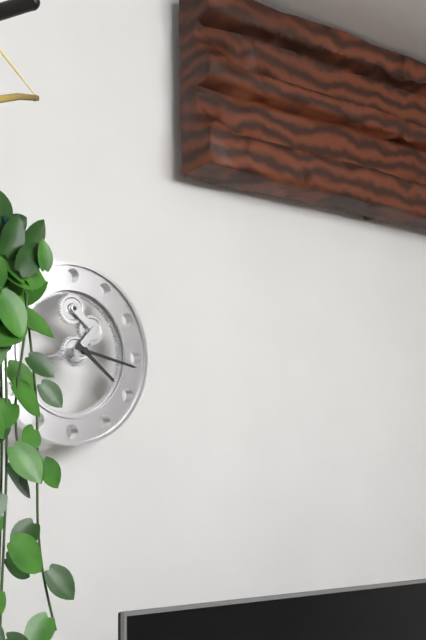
4:17
